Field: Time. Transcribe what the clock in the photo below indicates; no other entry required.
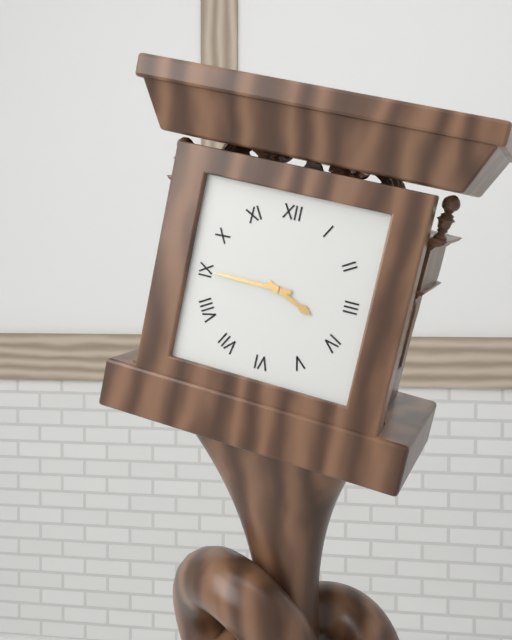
3:45
